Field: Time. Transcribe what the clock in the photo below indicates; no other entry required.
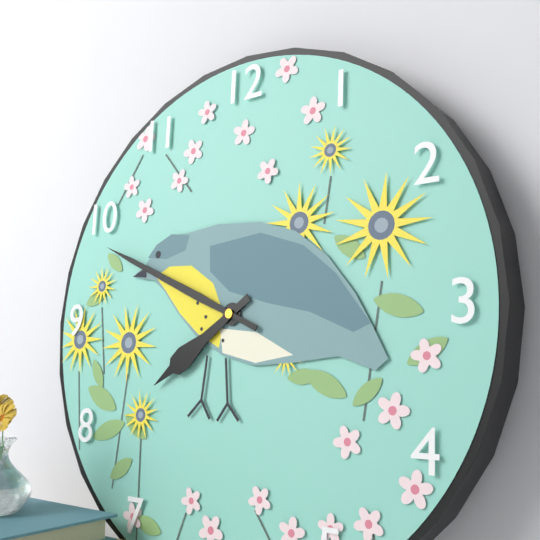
7:49
